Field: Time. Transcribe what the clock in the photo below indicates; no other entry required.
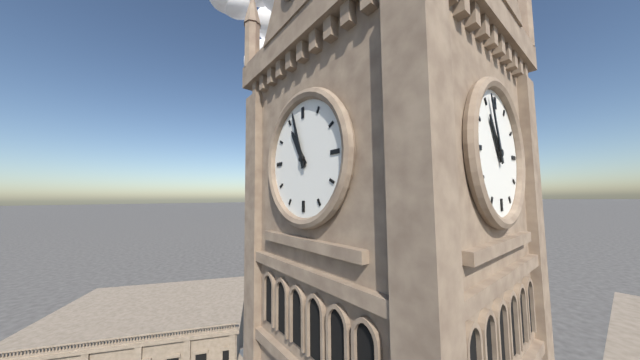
10:57
